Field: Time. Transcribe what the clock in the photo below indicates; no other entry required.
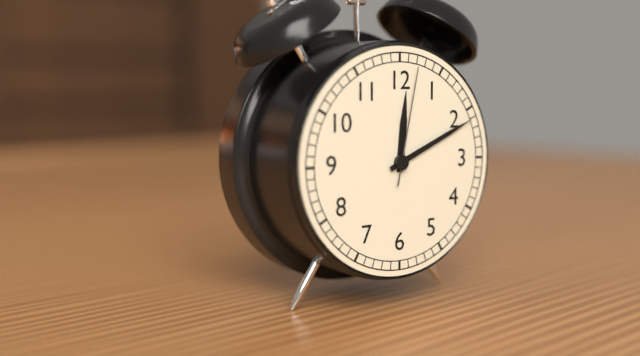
12:11:02
